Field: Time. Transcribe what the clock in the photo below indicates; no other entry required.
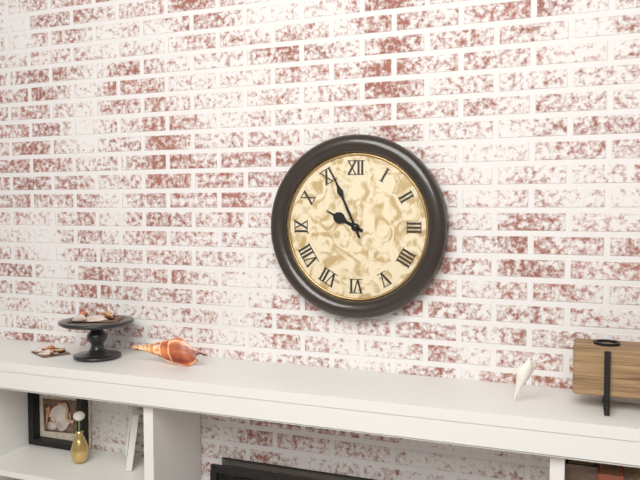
9:56
